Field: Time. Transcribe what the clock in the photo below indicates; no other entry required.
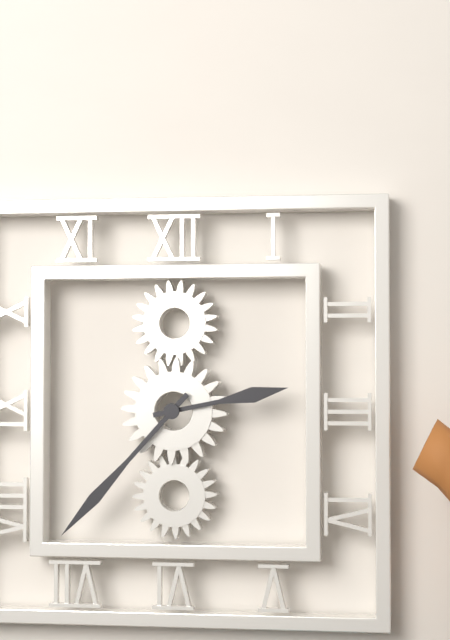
2:37
